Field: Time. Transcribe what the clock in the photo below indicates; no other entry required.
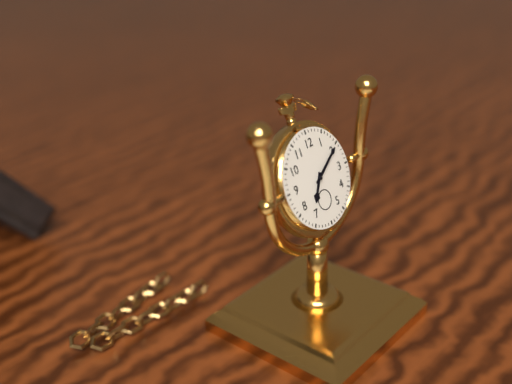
7:10
